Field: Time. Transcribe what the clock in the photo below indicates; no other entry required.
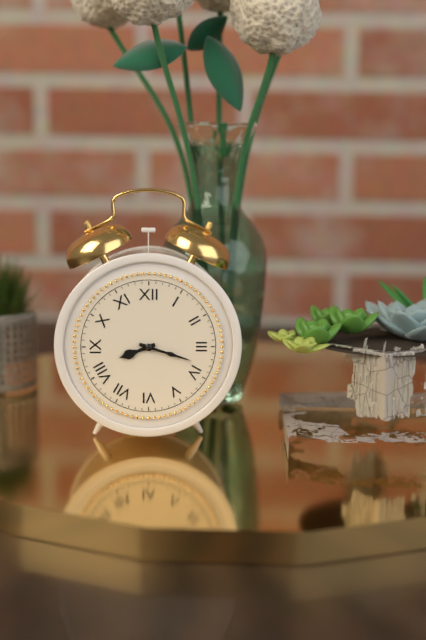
8:18
